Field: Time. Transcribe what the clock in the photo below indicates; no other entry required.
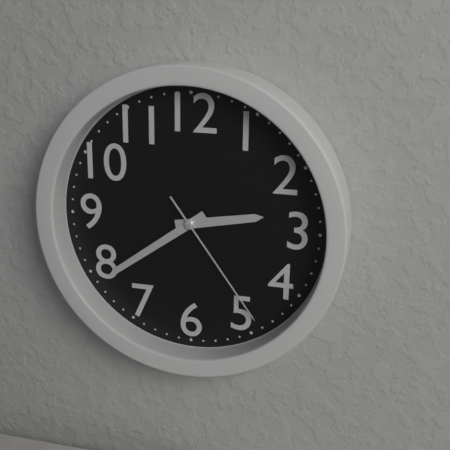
2:39:24
